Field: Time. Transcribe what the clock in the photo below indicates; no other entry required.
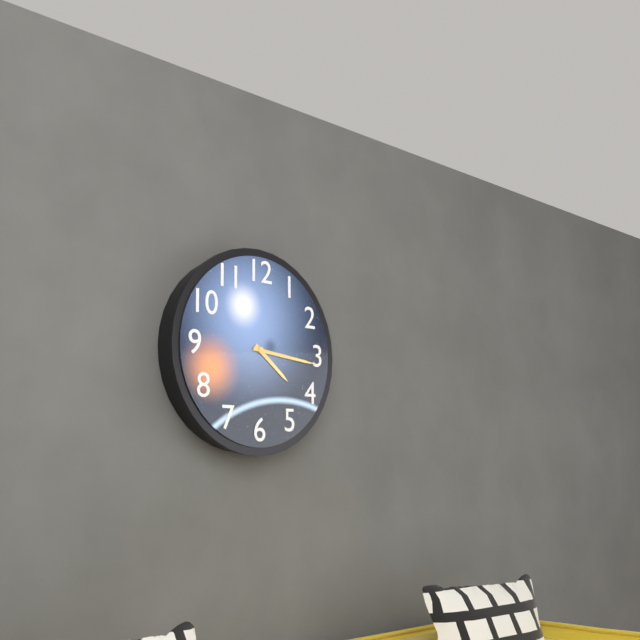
4:16
